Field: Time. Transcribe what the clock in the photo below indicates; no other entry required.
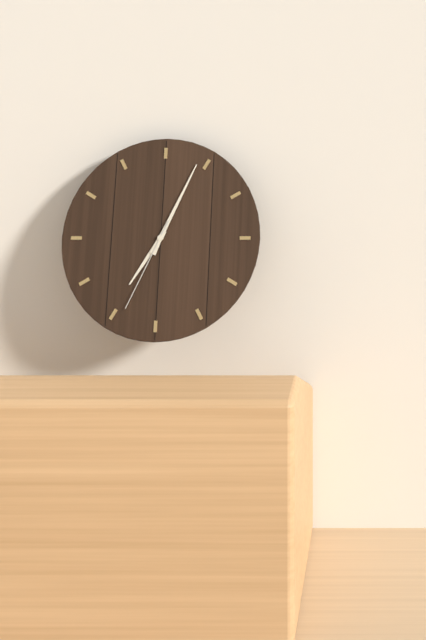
7:04:34
